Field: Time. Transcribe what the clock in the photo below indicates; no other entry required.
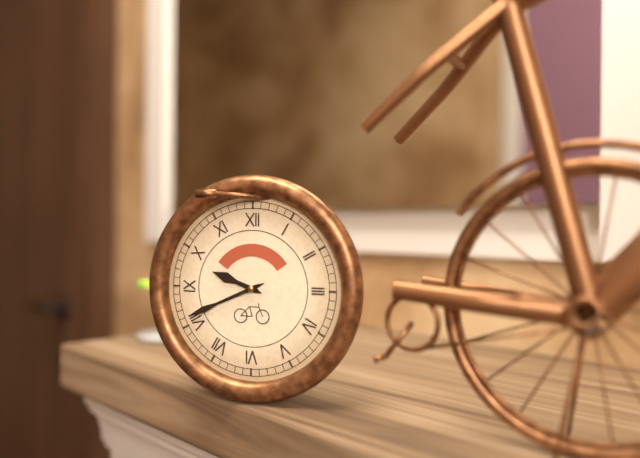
9:41
